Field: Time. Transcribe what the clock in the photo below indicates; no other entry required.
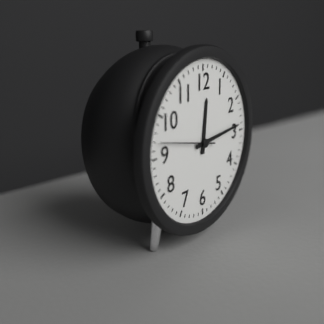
12:14:47
